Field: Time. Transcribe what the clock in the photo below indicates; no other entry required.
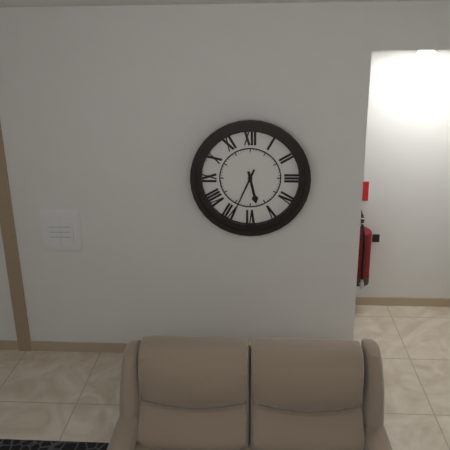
5:34
